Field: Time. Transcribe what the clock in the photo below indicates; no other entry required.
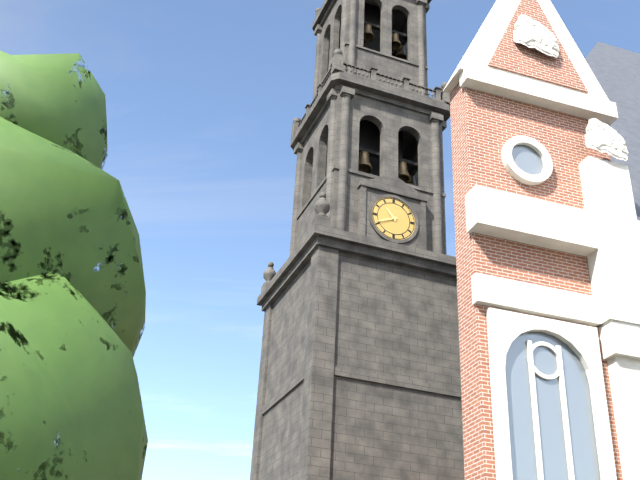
10:41
